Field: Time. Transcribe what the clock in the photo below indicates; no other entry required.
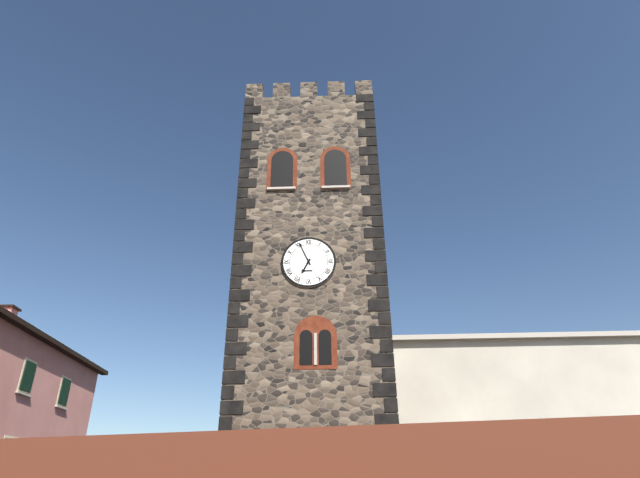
6:56
